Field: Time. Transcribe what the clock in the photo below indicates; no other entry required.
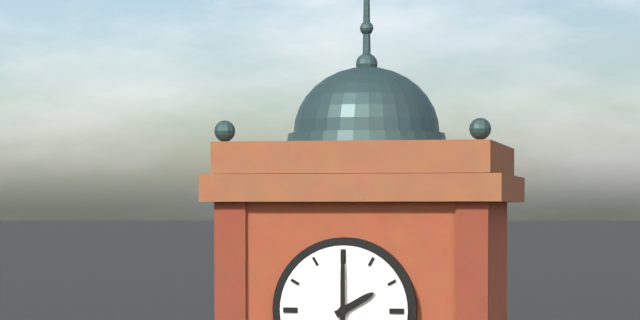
2:00
